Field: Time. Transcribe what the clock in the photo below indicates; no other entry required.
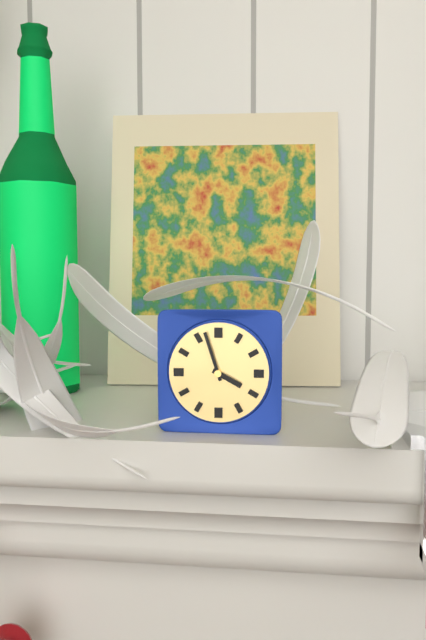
3:57
